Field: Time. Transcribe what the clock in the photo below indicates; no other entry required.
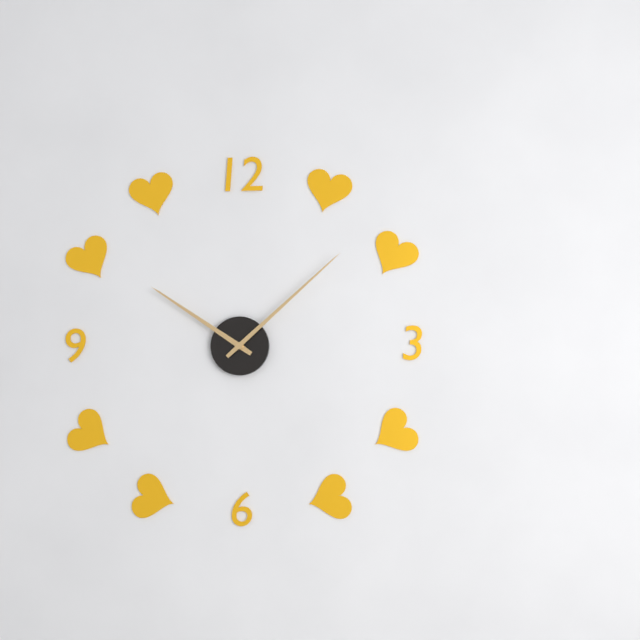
10:08
